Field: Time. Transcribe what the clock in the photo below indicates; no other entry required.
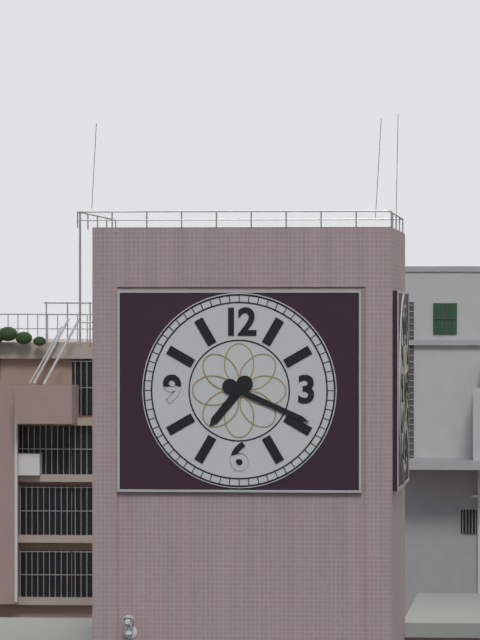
7:19
